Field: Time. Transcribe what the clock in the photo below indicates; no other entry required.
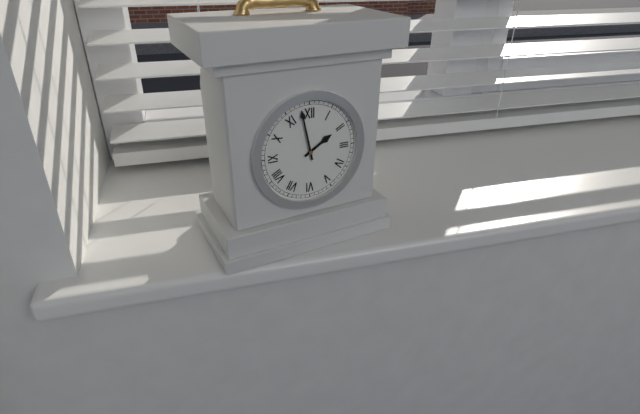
1:58
